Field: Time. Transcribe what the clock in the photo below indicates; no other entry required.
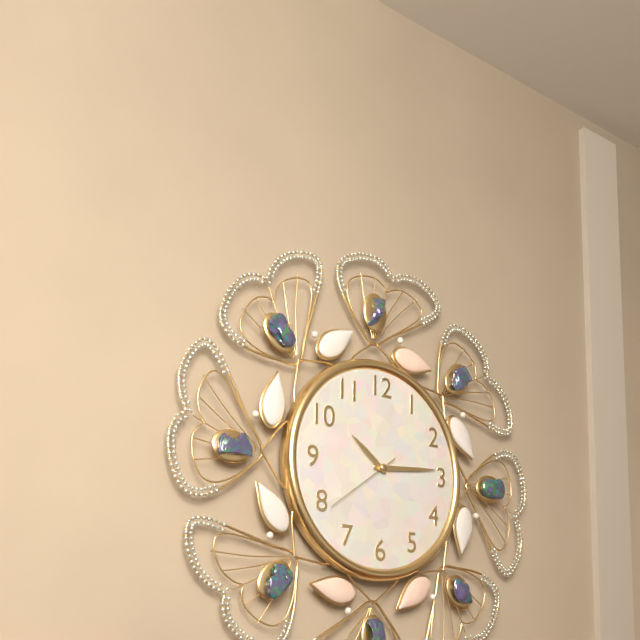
10:14:39
